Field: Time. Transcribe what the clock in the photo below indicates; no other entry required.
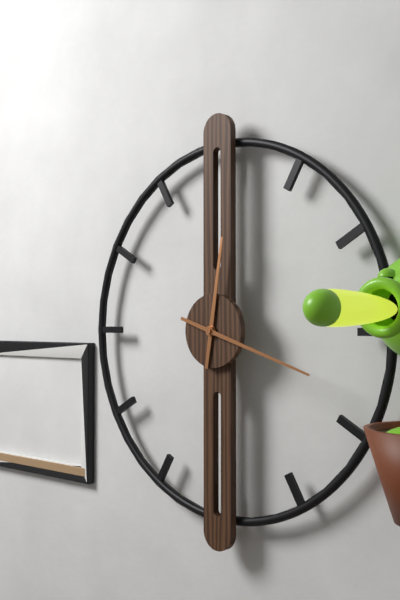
12:18
